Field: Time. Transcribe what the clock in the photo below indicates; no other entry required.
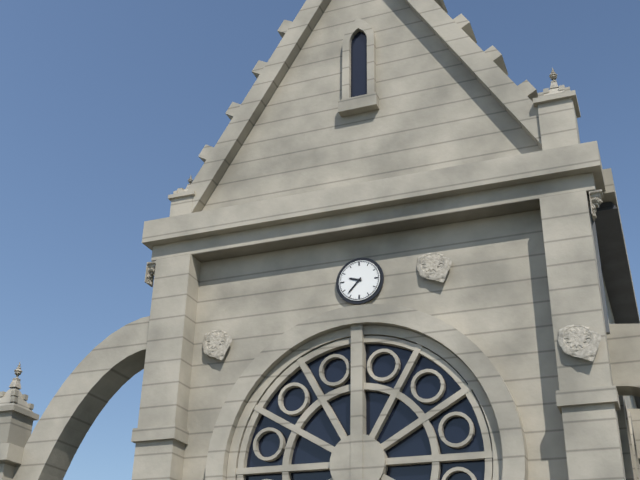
9:37
